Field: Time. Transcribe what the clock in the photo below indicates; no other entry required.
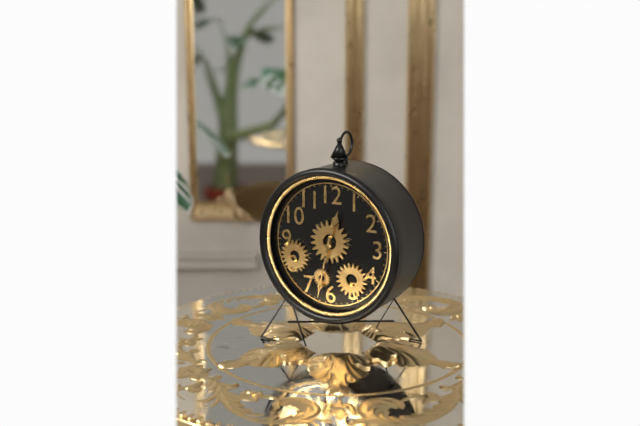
12:32
